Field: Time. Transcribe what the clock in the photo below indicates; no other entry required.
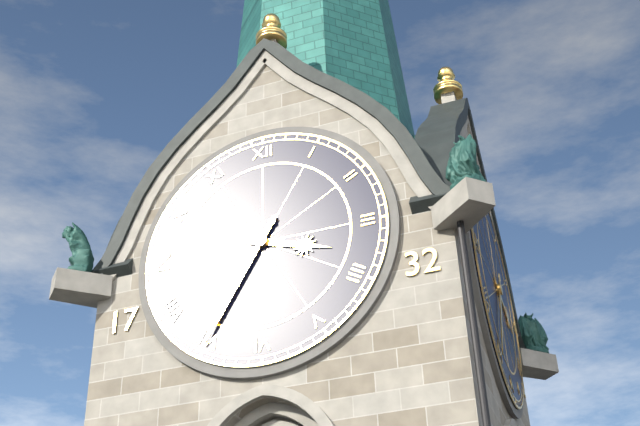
3:35
